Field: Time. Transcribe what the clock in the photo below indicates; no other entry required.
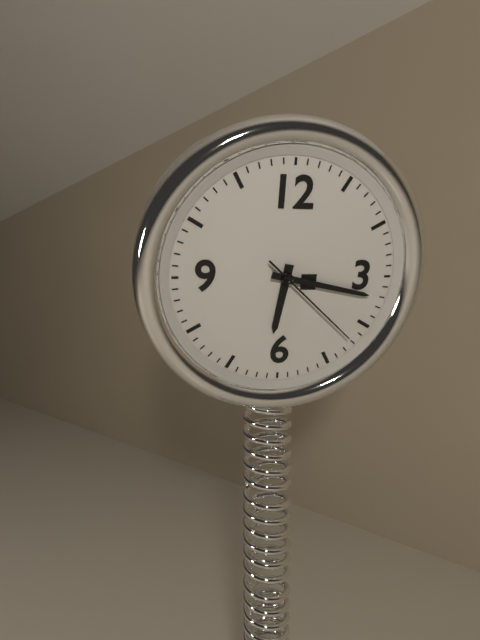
6:17:22
